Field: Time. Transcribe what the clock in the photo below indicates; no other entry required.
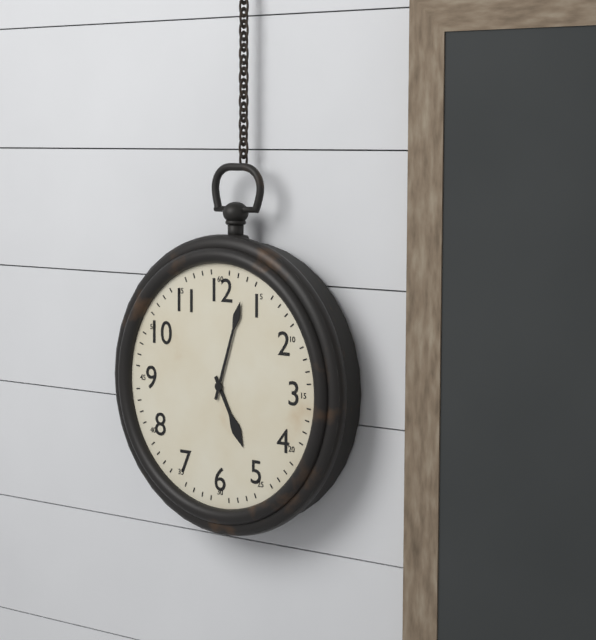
5:03
